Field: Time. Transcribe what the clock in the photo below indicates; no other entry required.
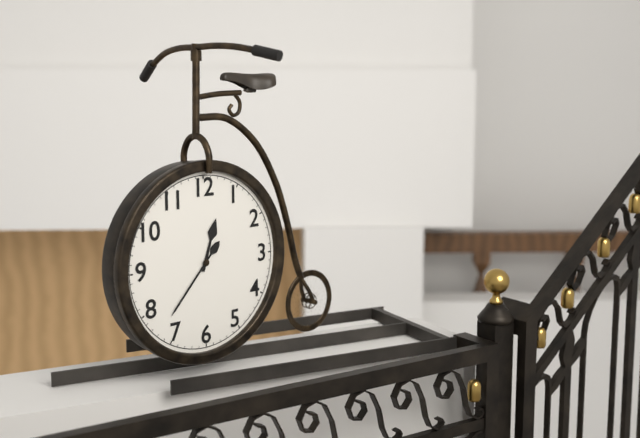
12:37
